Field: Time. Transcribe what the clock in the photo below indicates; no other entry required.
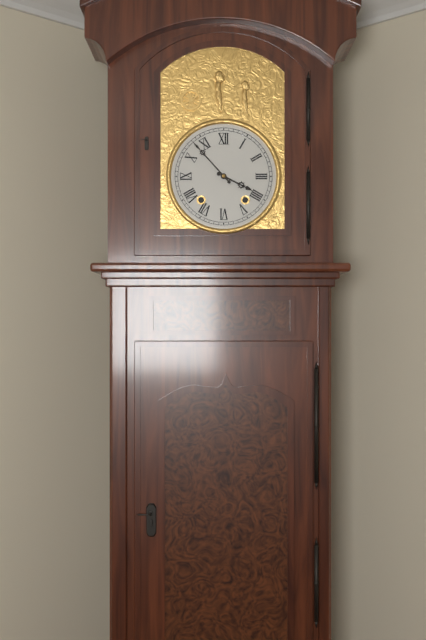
3:53
